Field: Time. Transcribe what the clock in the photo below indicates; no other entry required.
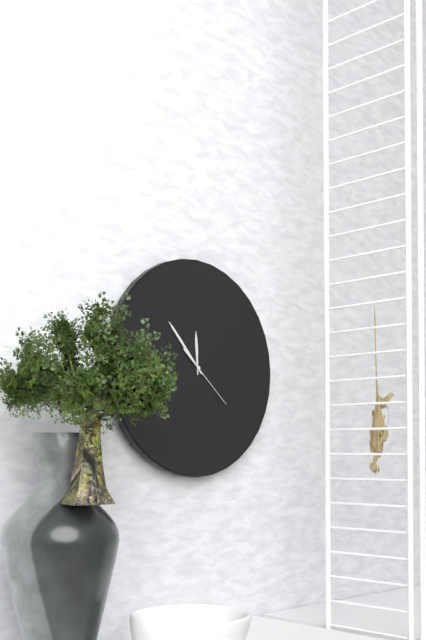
11:53:22
